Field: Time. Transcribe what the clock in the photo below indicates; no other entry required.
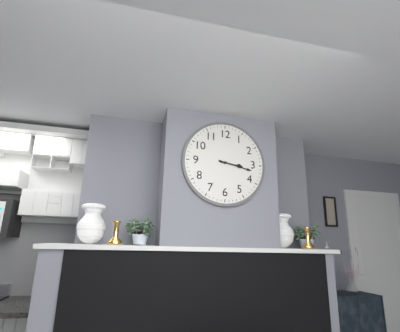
3:17
